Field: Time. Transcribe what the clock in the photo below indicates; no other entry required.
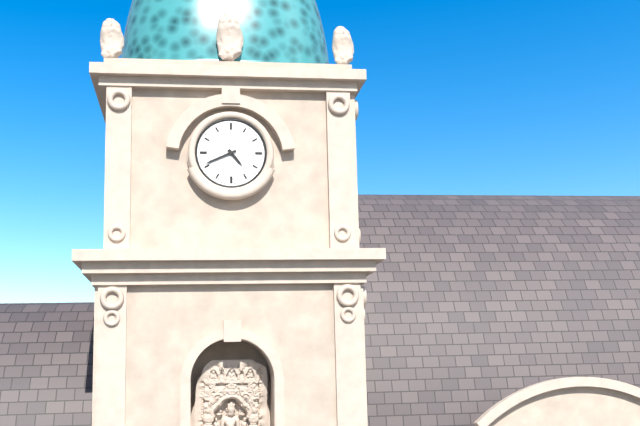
4:41
